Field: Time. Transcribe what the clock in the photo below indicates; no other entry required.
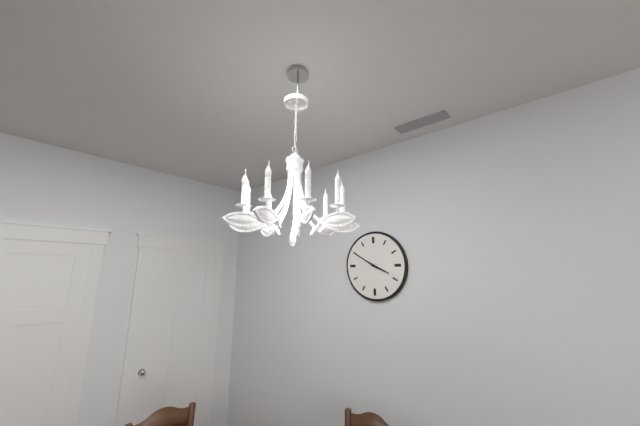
3:50
